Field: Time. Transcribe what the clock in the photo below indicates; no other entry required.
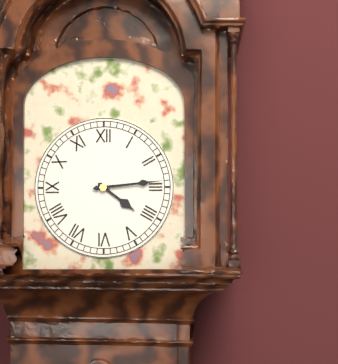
4:14
